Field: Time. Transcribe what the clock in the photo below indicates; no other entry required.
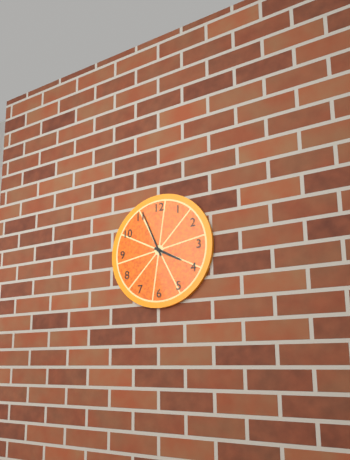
3:56
